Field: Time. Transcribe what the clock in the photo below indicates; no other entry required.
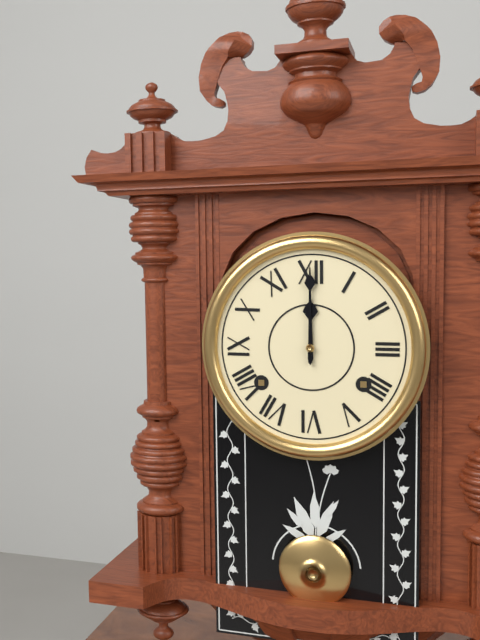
12:00
